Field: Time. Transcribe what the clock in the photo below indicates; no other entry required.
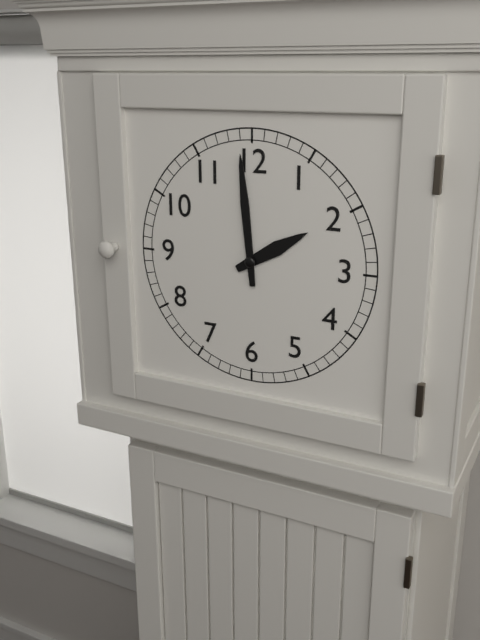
1:59
